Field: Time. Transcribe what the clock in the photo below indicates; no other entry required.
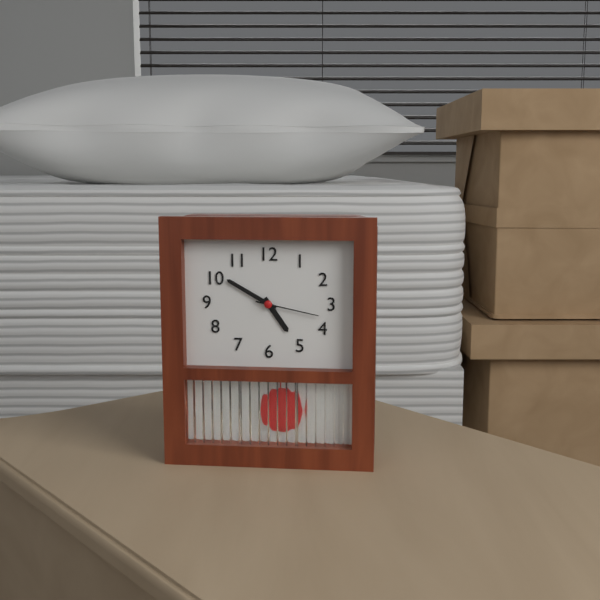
4:50:17
